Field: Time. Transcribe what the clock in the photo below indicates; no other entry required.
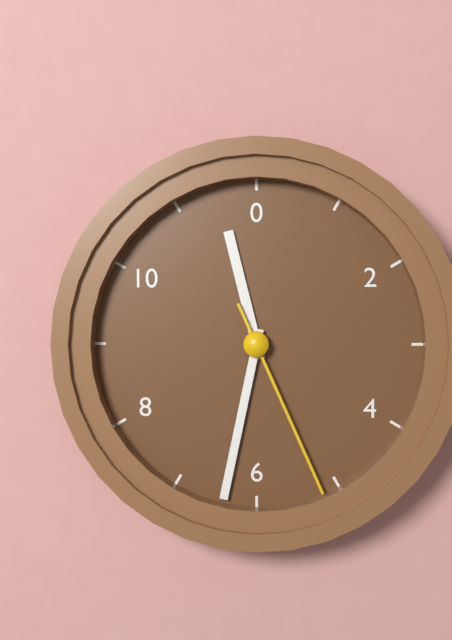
11:32:26
